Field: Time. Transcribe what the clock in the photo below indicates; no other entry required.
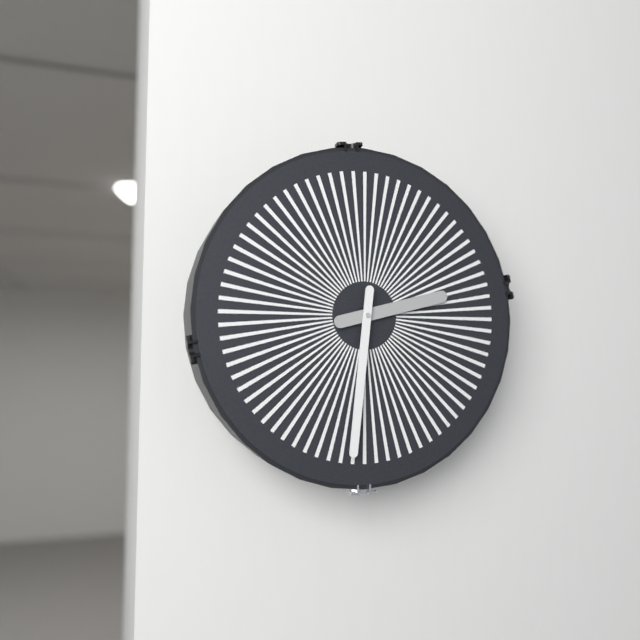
2:31
